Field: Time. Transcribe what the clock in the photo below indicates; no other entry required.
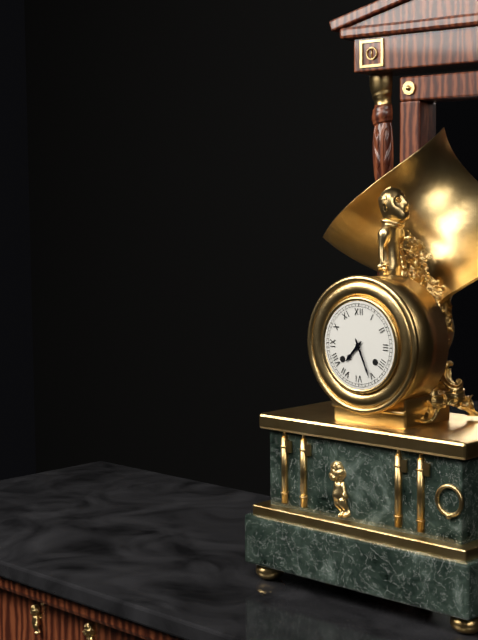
7:26
